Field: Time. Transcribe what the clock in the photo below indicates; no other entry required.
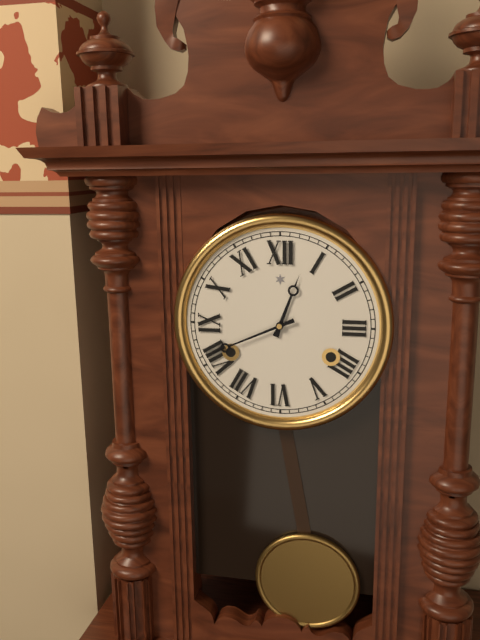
12:41
